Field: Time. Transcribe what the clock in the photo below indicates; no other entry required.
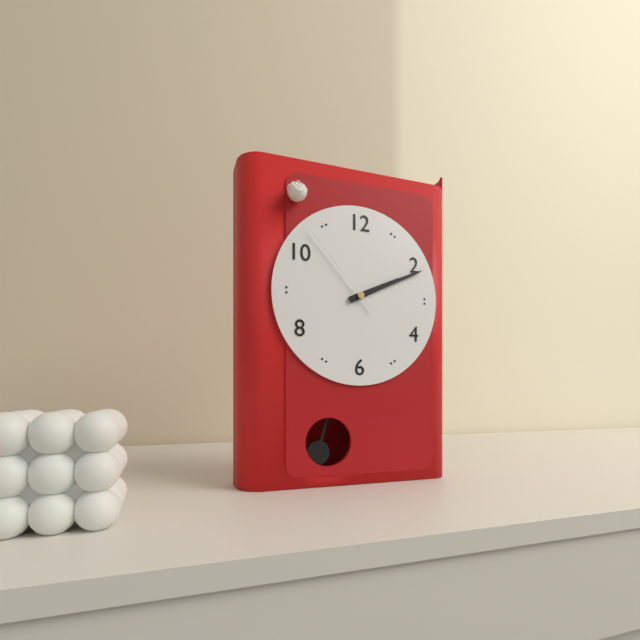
2:11:53
